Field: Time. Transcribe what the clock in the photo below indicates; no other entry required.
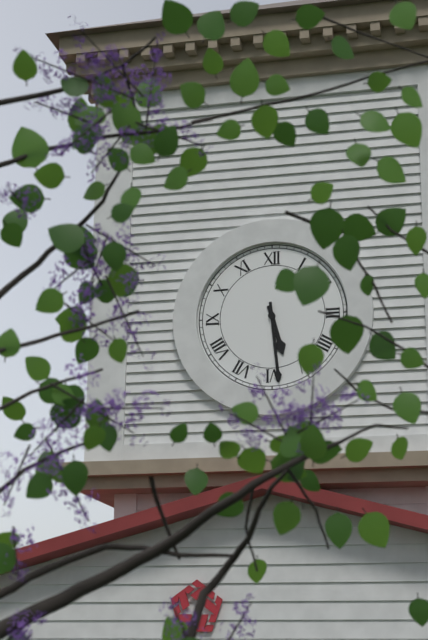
5:29
